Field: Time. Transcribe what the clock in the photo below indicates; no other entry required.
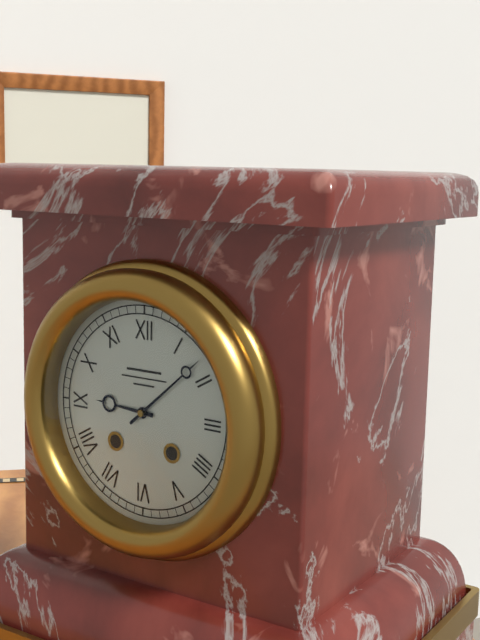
9:08
